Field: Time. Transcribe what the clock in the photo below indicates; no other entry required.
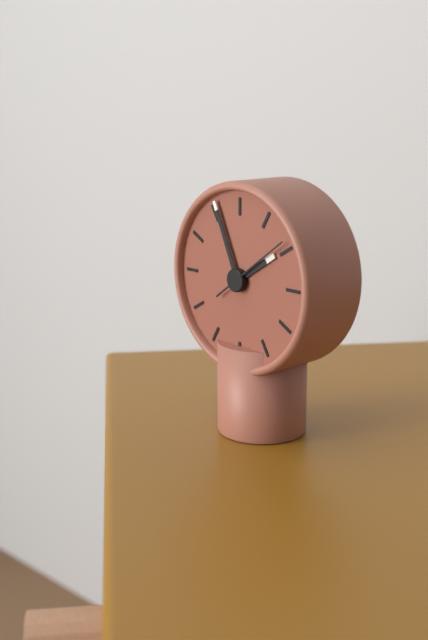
1:56:09
